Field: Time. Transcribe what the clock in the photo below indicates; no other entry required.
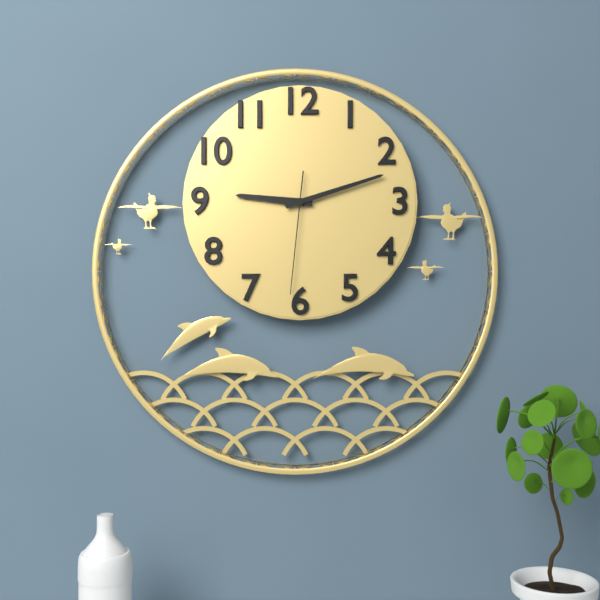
9:12:31
